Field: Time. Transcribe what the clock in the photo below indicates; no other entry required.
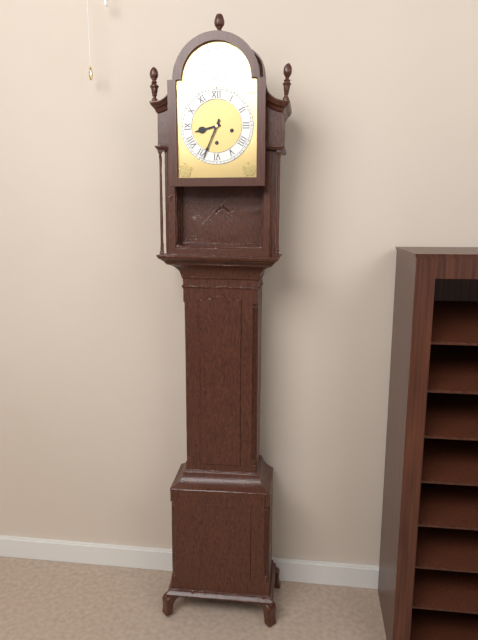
8:34
